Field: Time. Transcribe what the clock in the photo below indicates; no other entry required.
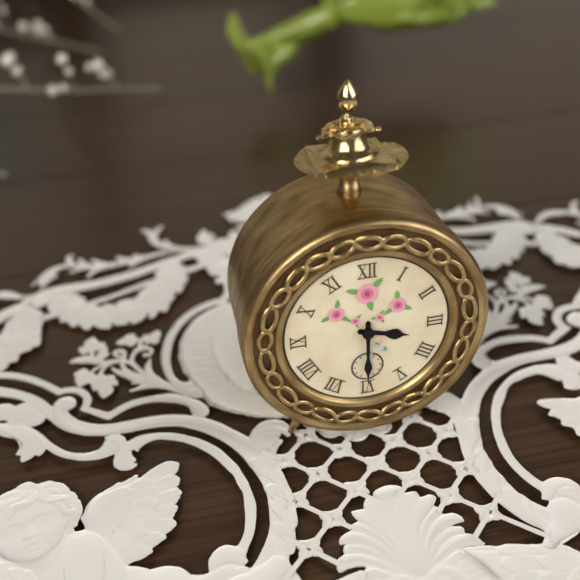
3:30
